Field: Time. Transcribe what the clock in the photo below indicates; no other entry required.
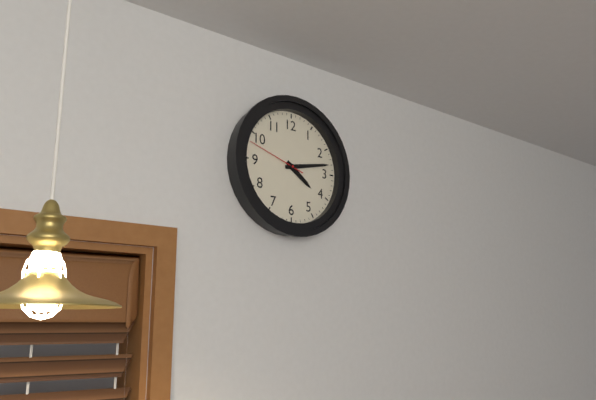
4:13:48
